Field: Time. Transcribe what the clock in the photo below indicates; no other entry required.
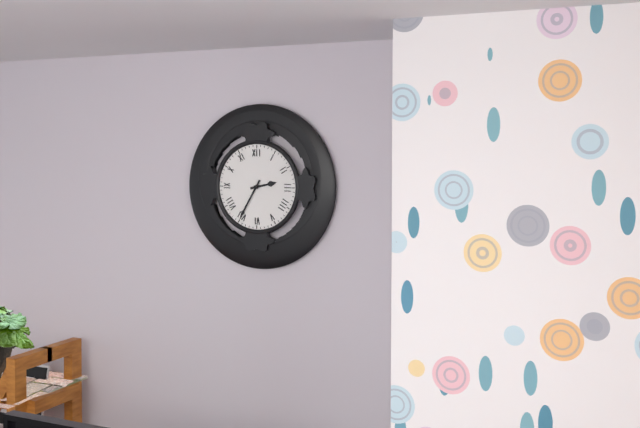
2:35
